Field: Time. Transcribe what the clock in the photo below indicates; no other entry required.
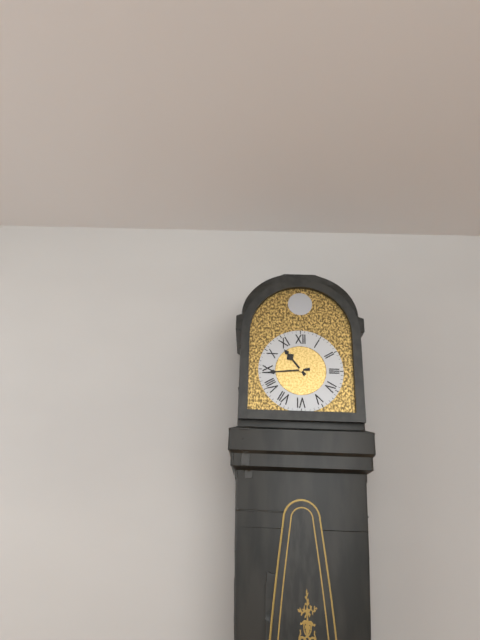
10:44
